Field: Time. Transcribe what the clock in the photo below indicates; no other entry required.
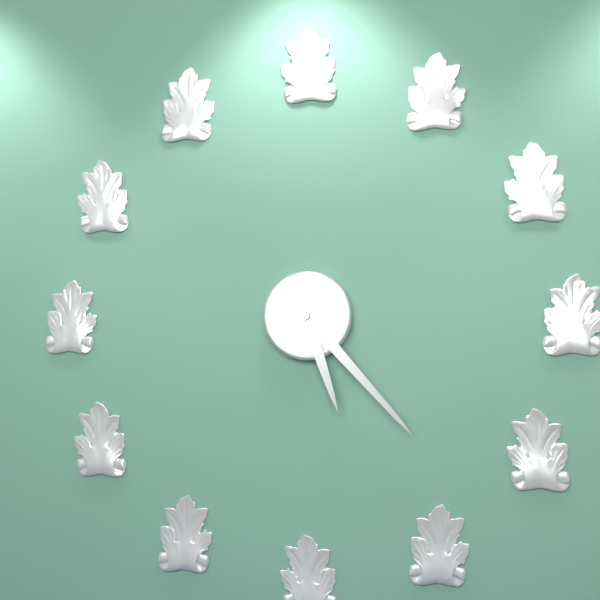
5:23
